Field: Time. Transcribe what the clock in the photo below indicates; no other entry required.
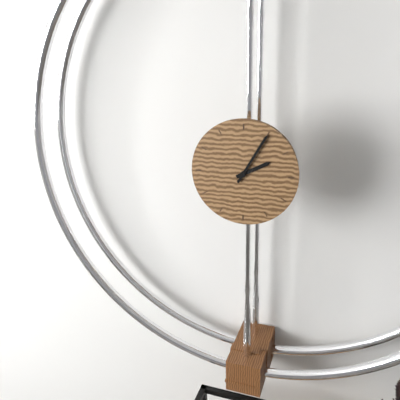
2:05
